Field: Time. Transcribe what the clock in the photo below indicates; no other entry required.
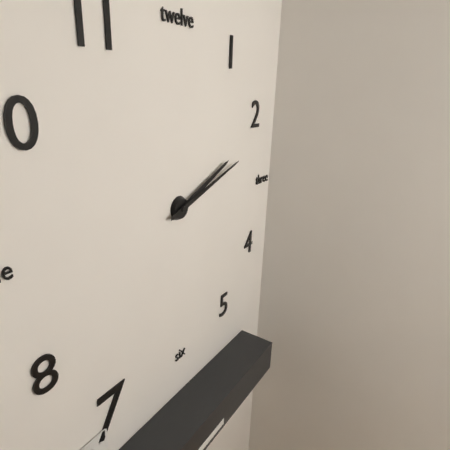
2:12
